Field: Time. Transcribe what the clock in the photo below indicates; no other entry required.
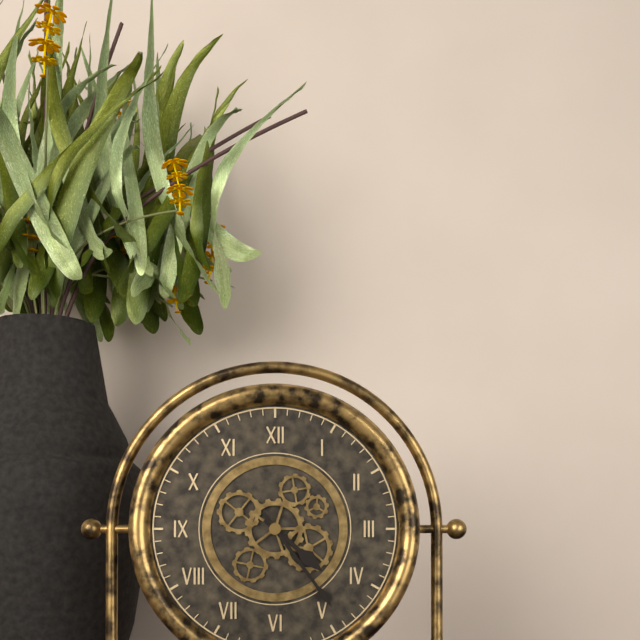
4:24
